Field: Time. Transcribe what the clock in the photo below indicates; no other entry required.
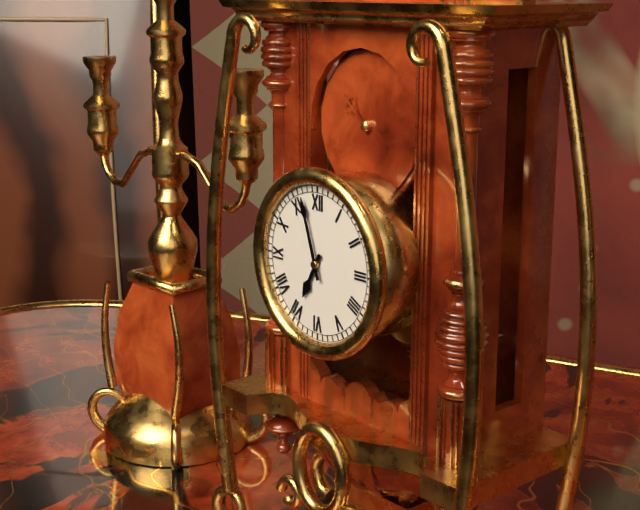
6:57
